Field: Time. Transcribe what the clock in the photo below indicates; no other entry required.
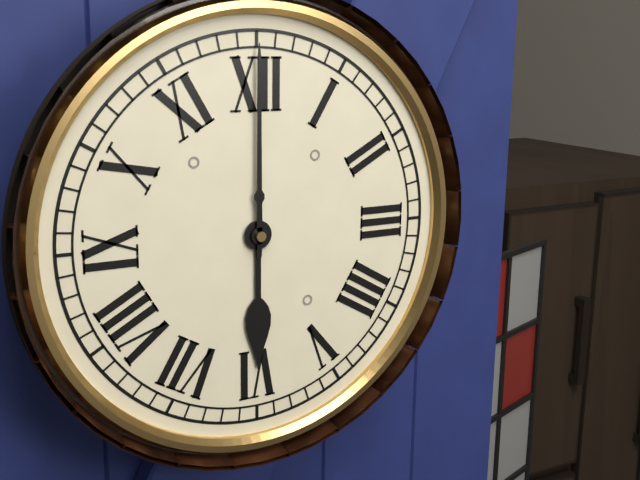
6:00
